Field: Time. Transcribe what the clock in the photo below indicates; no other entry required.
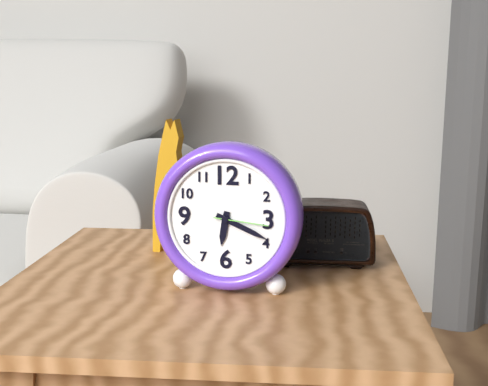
6:19:16
